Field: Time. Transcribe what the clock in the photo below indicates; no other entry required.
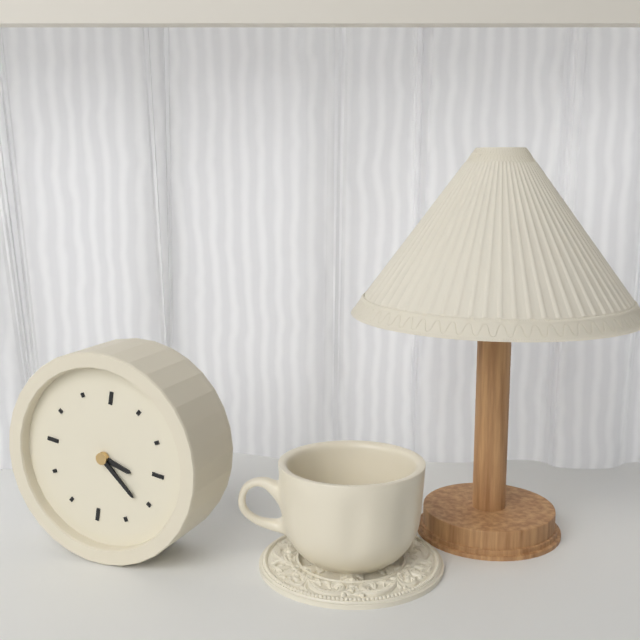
3:21
